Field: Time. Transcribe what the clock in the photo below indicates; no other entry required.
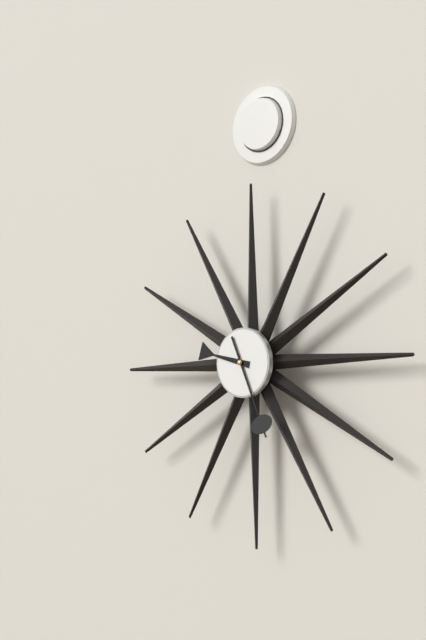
9:26
